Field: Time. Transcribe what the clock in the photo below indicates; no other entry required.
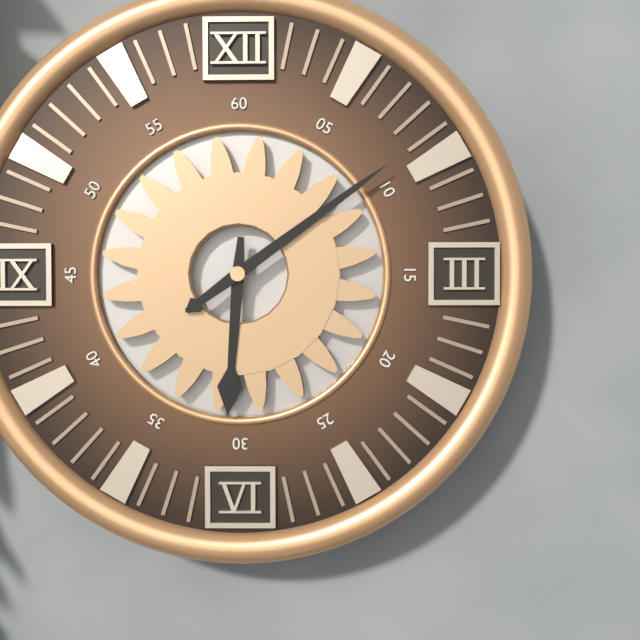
6:09
